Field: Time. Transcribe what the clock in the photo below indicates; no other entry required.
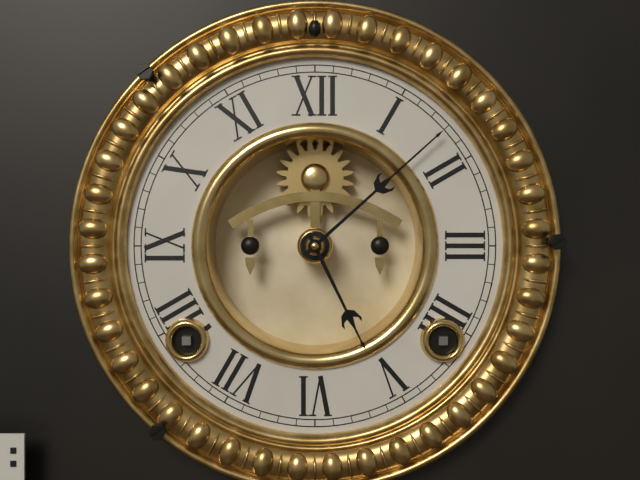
5:08
